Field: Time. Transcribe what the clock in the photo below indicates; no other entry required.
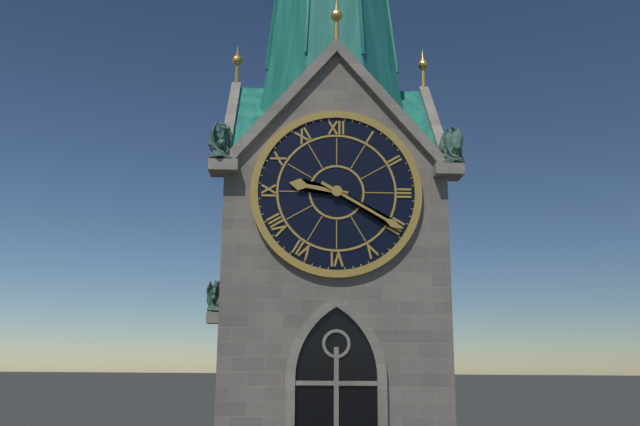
9:20
